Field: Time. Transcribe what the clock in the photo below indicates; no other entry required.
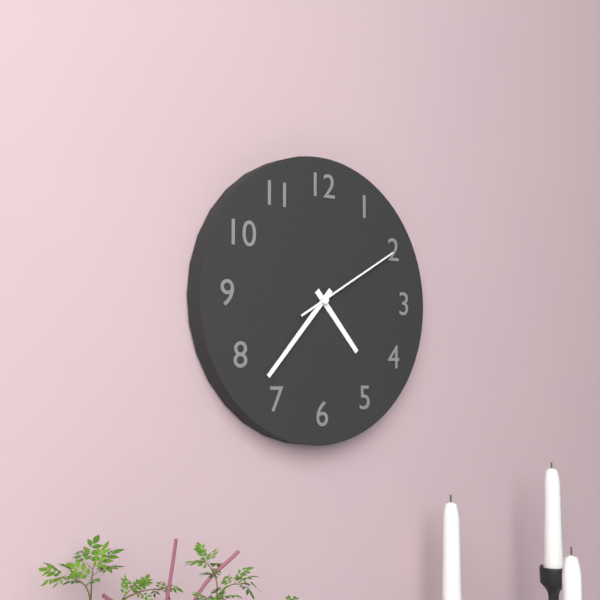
4:37:10
